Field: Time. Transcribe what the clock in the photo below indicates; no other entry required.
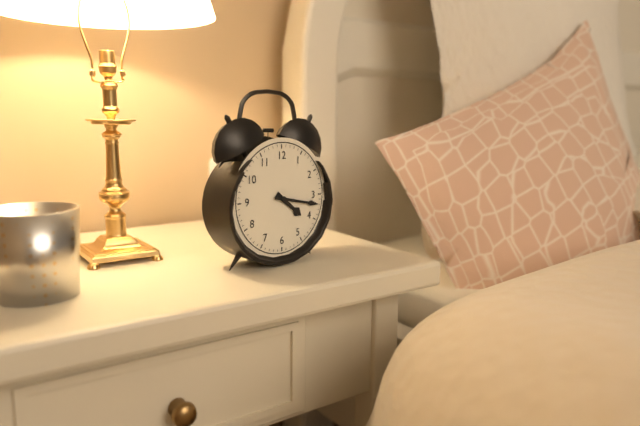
4:17
